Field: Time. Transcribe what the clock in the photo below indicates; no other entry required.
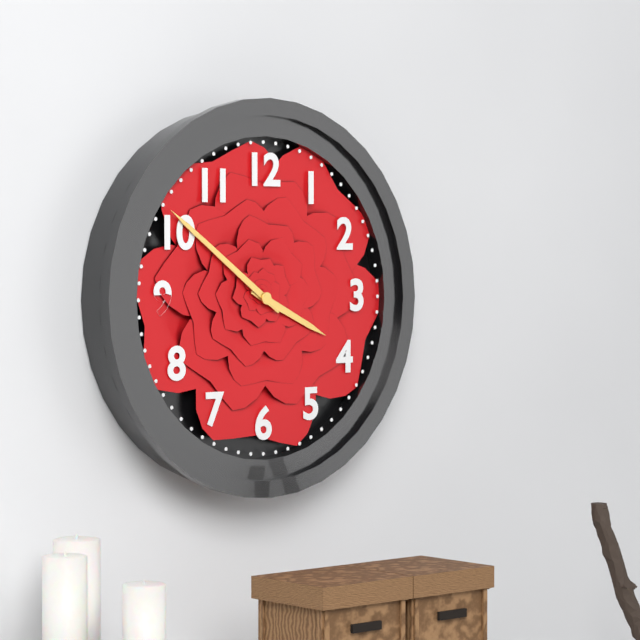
3:51
